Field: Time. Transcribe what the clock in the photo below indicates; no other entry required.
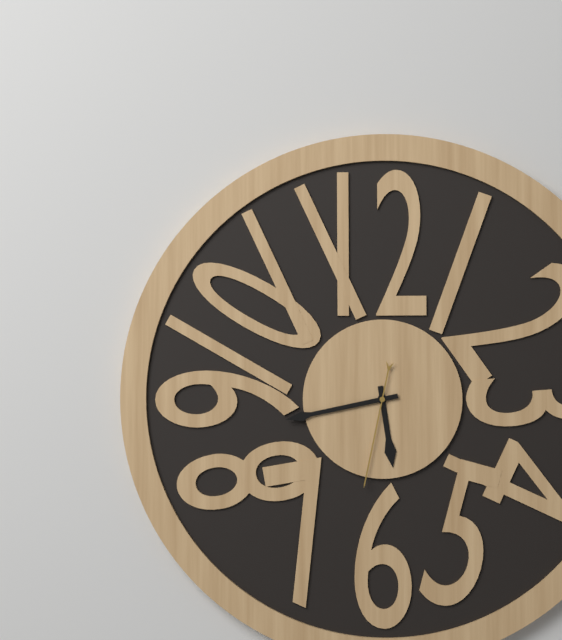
5:43:32
